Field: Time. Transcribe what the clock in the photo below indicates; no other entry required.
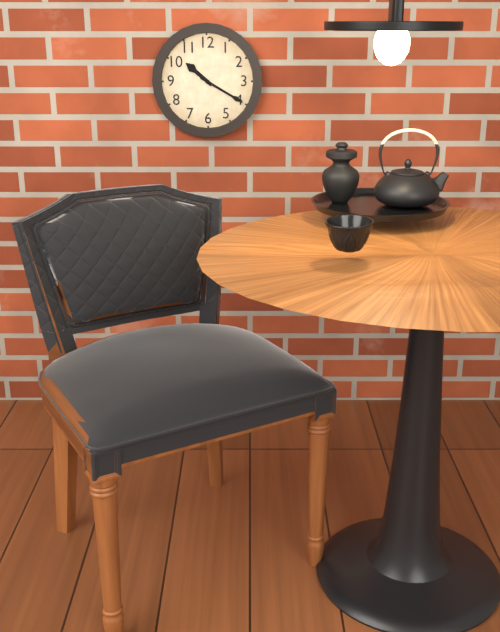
10:20
